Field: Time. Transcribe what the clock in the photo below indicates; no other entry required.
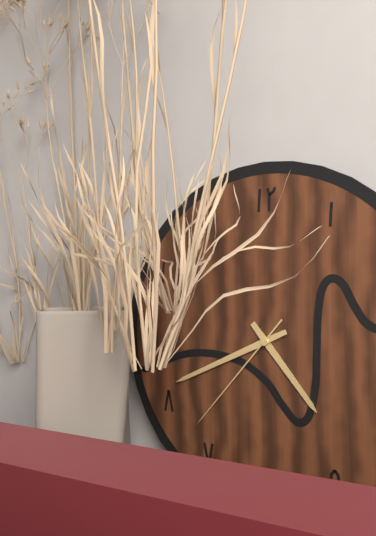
4:41:37
